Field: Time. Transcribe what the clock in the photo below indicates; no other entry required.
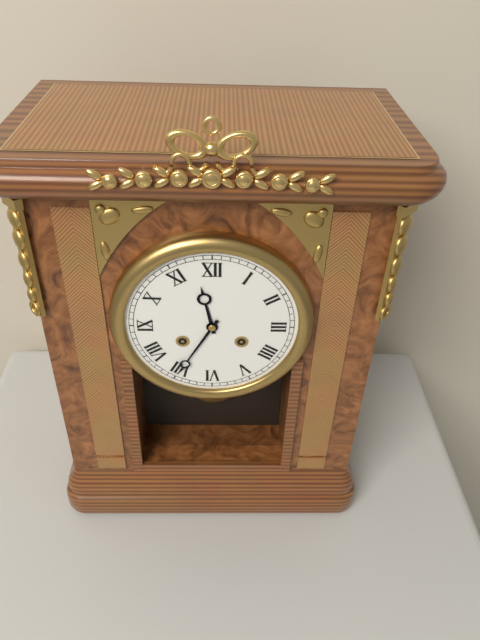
11:35
